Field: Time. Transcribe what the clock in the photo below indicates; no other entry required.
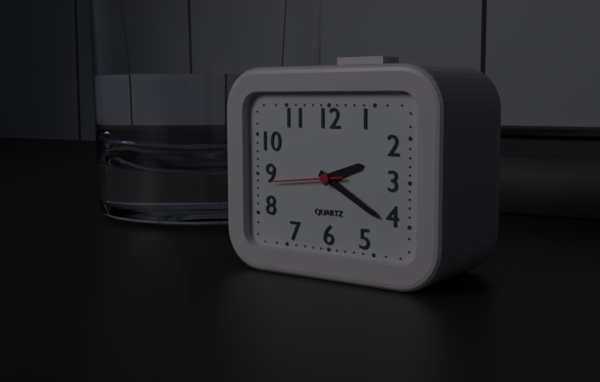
2:20:44
